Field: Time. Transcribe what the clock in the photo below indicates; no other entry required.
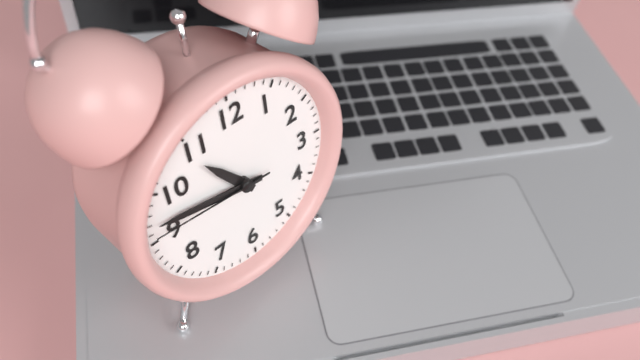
10:47:46
